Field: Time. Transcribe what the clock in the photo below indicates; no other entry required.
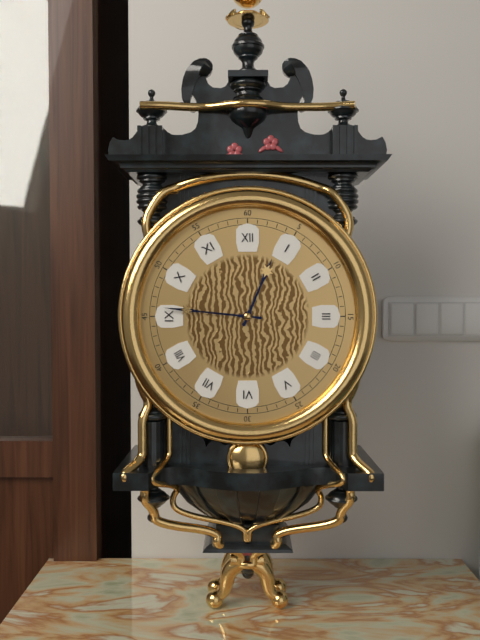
12:46
